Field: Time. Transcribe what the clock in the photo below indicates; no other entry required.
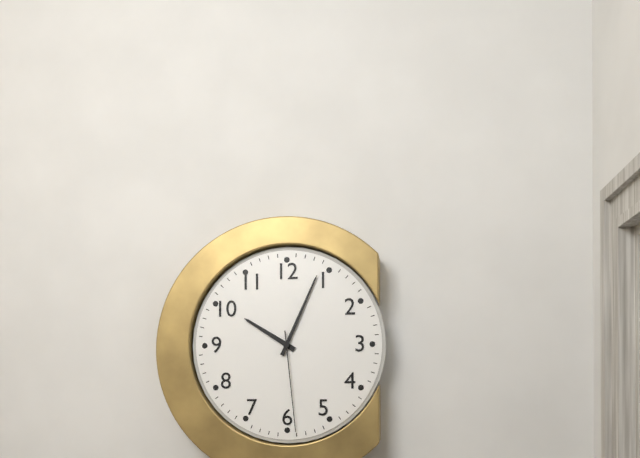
10:04:29
